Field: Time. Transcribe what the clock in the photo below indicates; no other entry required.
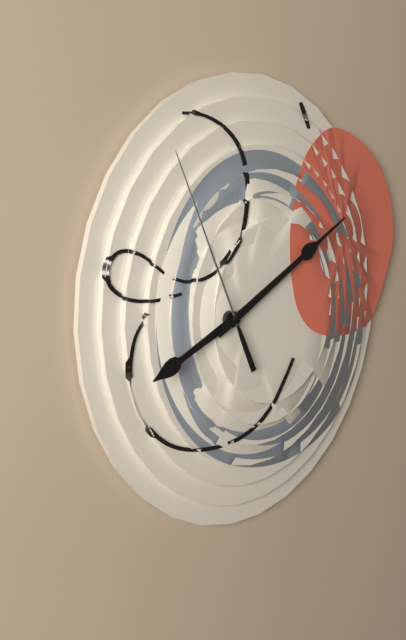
8:10:56
